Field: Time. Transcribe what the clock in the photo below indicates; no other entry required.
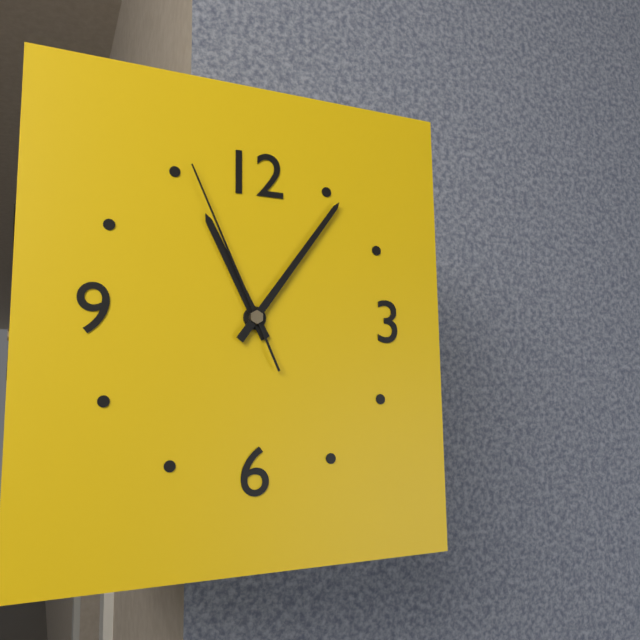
11:06:56
